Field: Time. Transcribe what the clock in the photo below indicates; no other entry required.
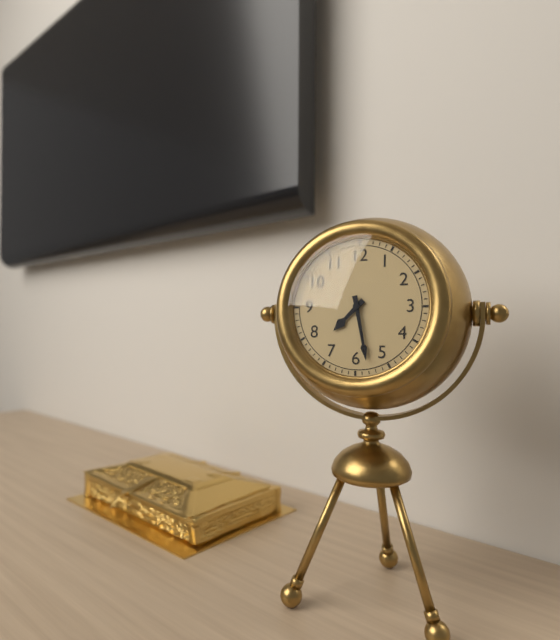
7:28
